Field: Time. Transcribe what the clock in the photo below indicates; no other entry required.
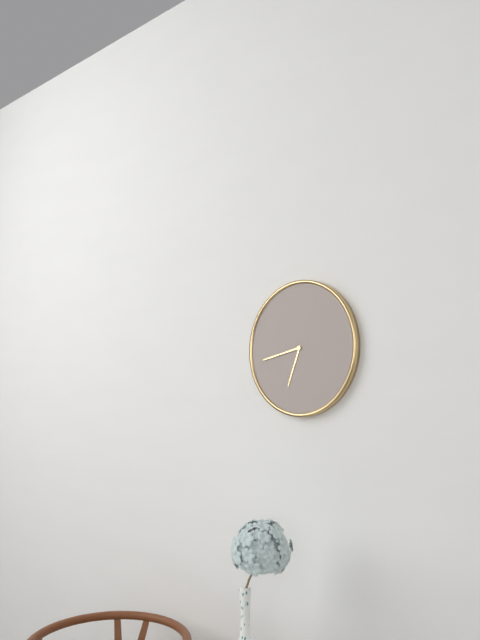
6:43
